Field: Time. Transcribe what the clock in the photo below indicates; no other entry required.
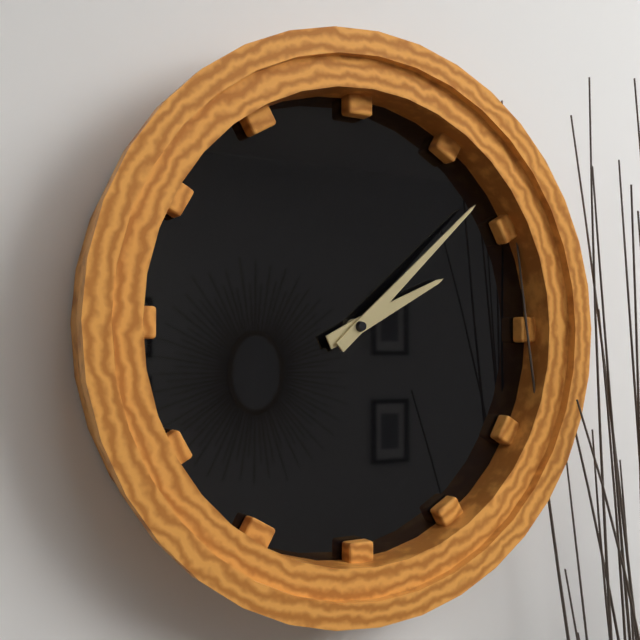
2:08
